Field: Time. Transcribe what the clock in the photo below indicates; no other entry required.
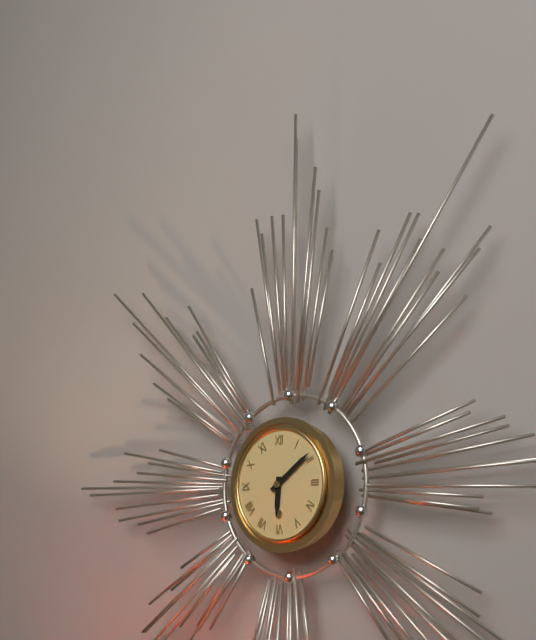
6:09
